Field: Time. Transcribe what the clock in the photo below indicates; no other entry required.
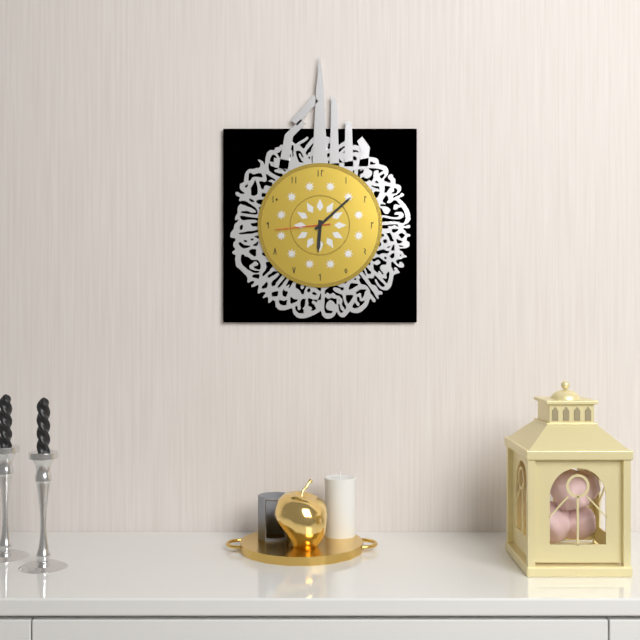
6:08:44
